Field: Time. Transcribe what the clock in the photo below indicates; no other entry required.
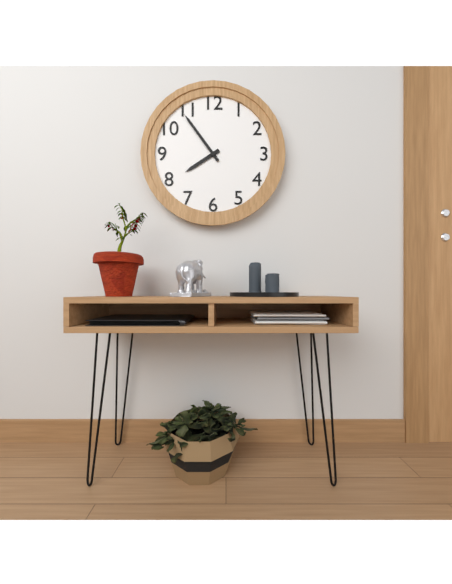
7:54
